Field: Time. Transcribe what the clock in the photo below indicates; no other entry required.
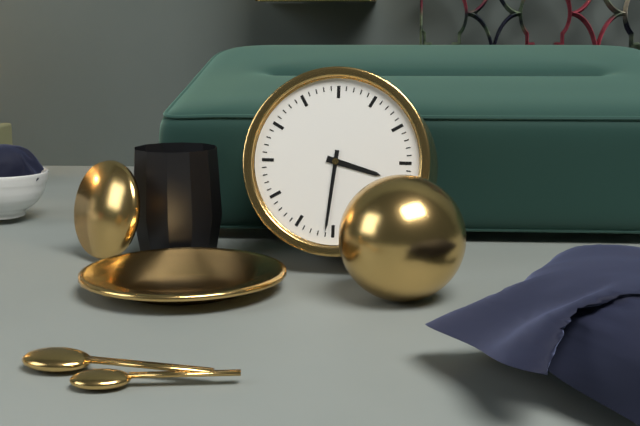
3:31
